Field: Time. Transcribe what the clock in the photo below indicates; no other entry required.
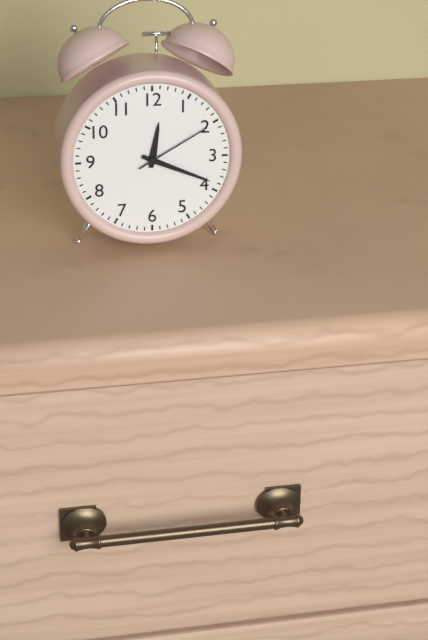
12:19:10
